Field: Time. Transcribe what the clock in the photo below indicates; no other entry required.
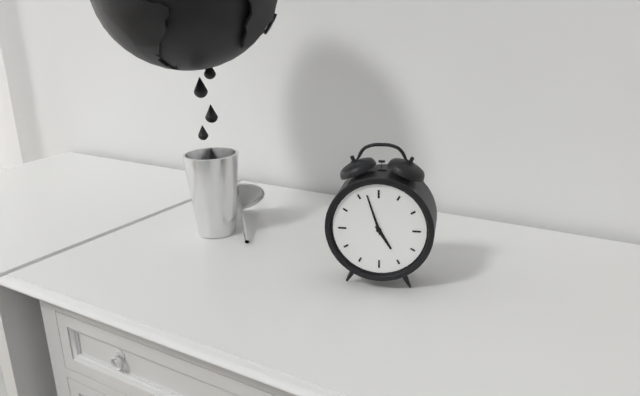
4:57
